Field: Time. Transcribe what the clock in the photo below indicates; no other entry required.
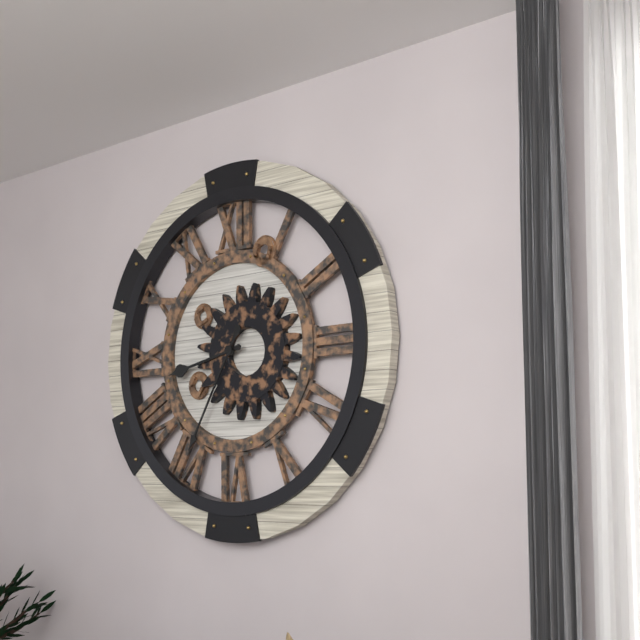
8:35
